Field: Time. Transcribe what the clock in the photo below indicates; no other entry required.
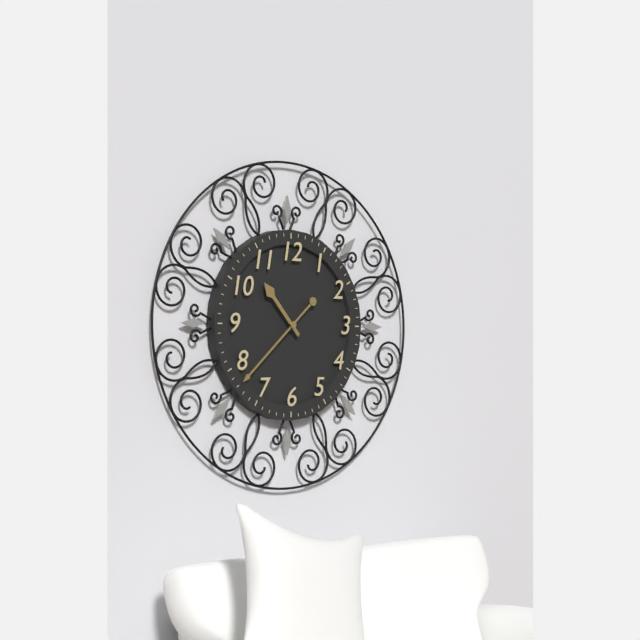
10:38
